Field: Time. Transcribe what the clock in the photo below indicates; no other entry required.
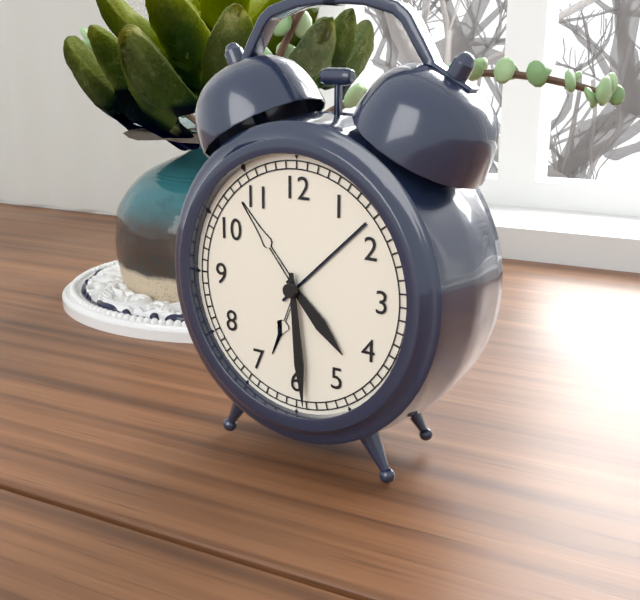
4:29
